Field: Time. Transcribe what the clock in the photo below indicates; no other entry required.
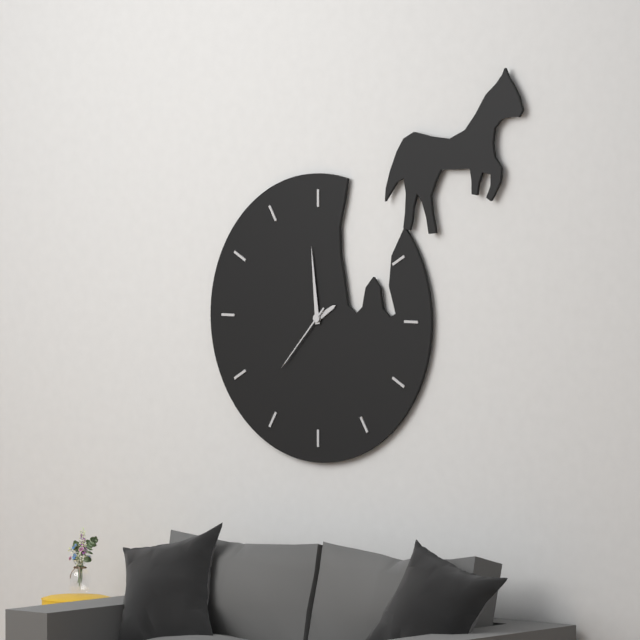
1:59:37
